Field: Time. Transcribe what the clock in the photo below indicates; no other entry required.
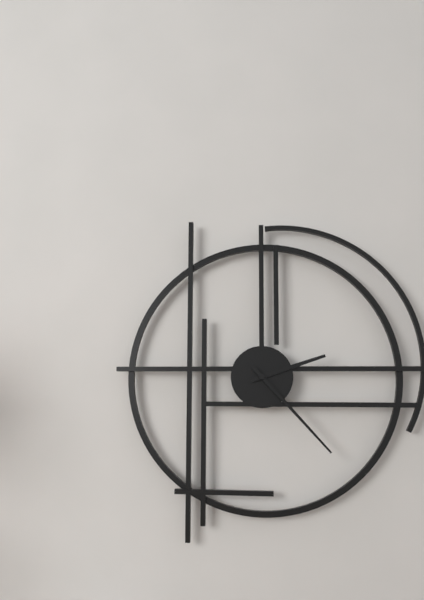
2:23
